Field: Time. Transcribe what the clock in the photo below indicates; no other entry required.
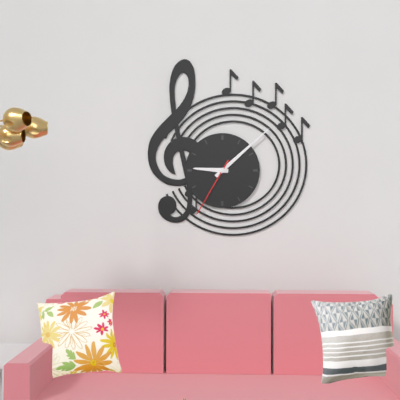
9:08:35
